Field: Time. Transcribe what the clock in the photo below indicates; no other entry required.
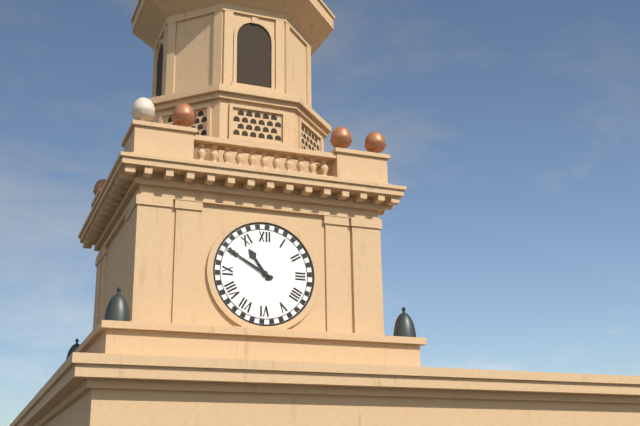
10:50
